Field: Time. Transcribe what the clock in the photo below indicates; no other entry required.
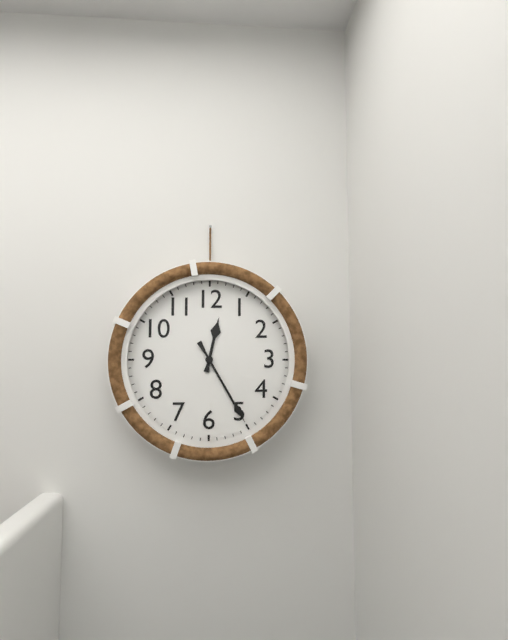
12:25
